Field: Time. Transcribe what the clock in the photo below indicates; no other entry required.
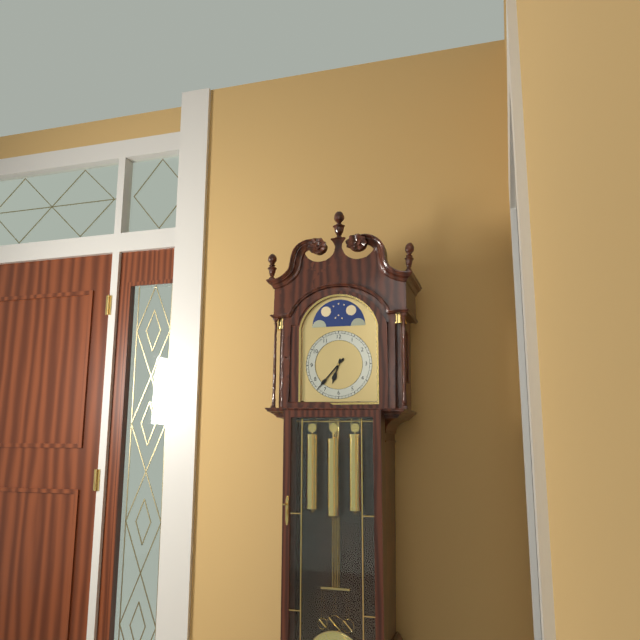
6:37
